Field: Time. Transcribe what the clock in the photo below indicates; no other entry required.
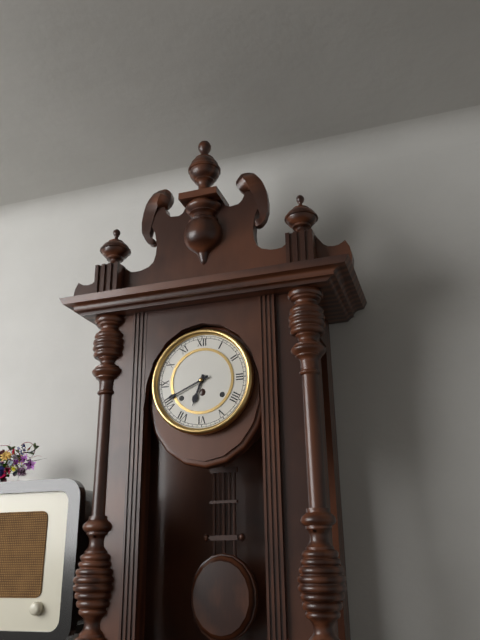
6:41
